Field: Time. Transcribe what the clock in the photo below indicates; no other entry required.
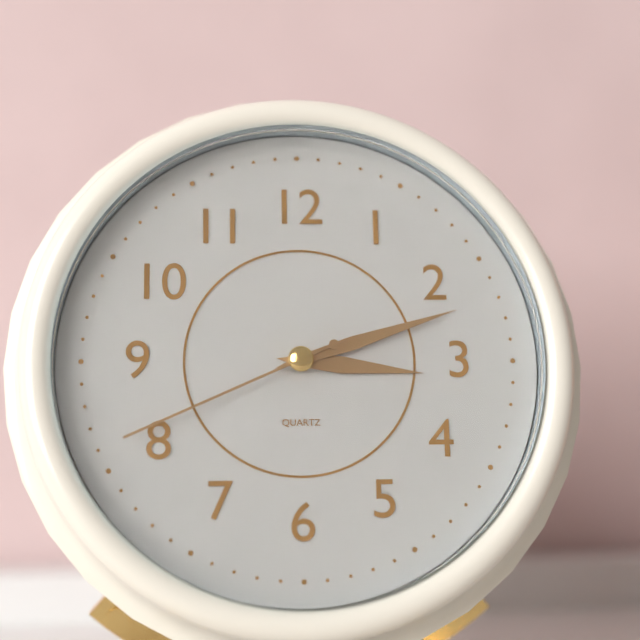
3:12:41
